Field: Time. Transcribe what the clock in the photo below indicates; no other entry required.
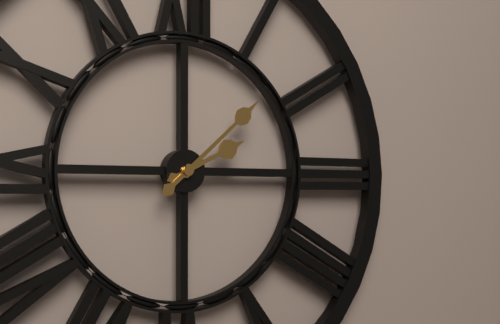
2:08
